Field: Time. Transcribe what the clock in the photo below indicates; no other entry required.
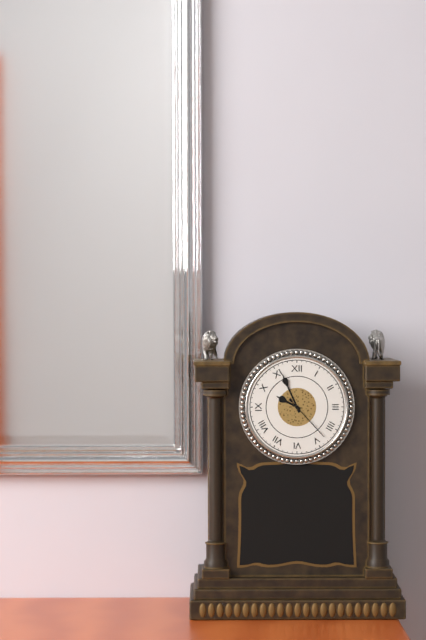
9:56:23
